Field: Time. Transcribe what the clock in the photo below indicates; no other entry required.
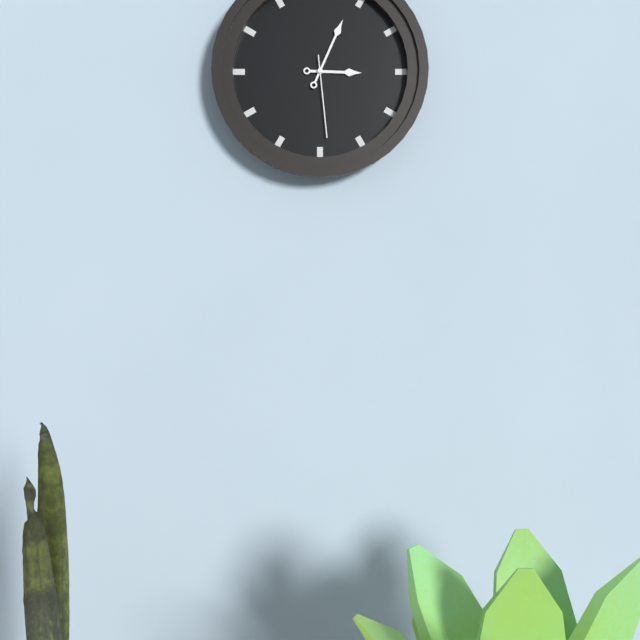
3:04:29
